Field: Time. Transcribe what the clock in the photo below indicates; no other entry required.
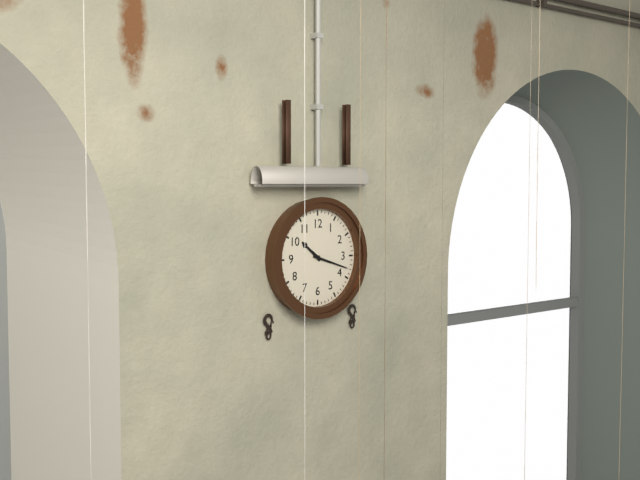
10:18
